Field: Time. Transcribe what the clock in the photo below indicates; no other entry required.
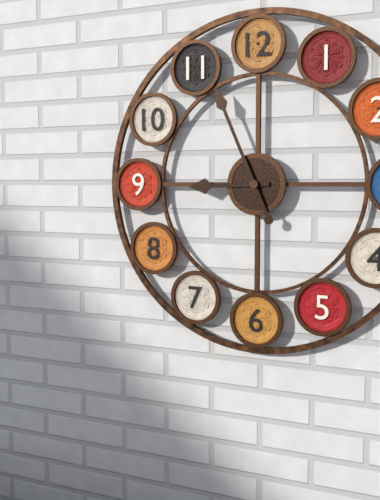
8:56
